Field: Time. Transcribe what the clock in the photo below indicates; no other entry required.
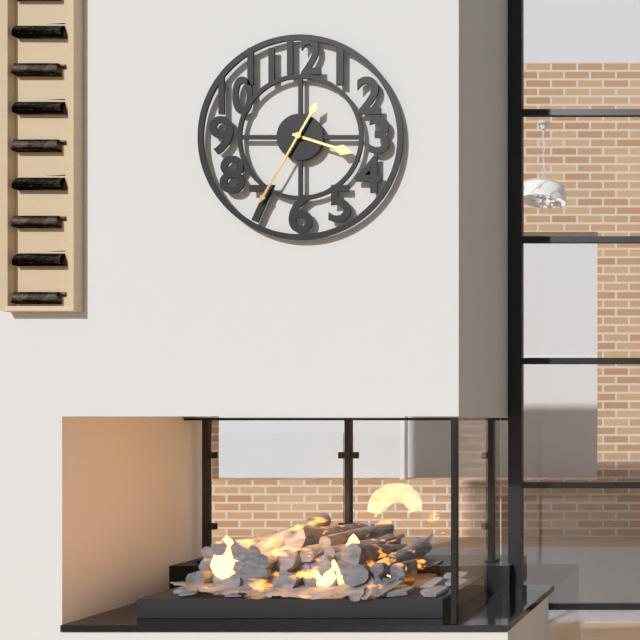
3:35
